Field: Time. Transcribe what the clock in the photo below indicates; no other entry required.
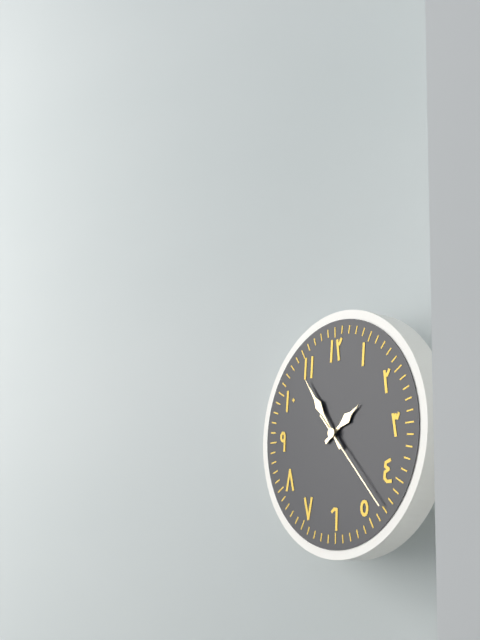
1:54:23
